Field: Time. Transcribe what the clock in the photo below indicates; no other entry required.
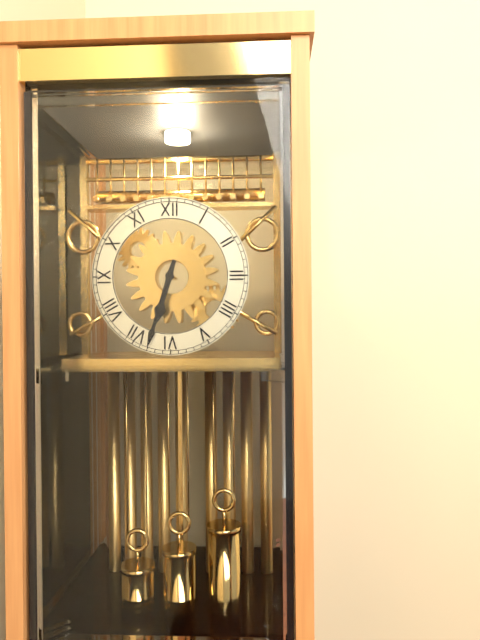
6:33
